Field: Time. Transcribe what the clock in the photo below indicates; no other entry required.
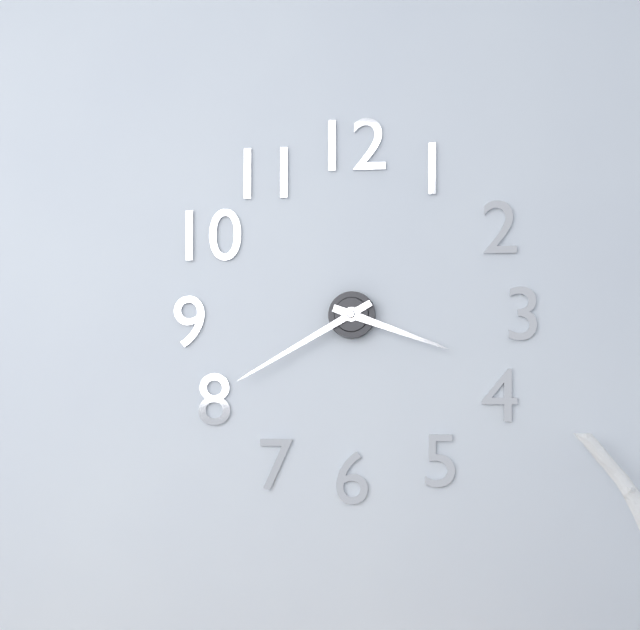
3:40
